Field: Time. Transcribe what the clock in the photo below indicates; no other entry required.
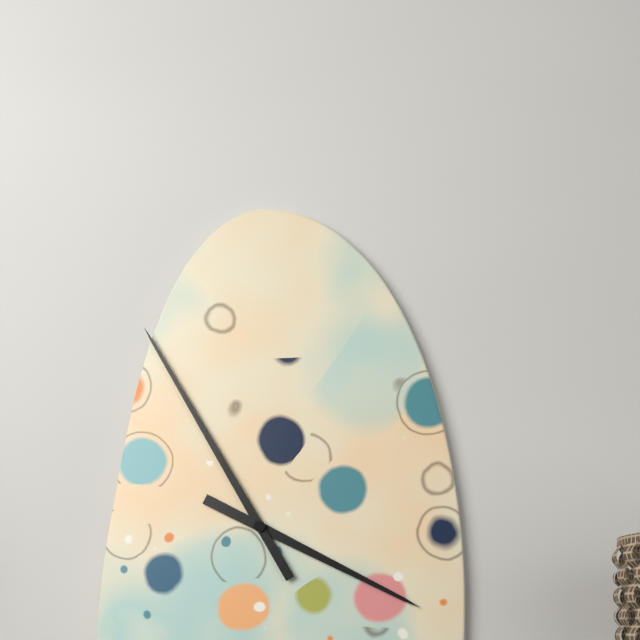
3:55
